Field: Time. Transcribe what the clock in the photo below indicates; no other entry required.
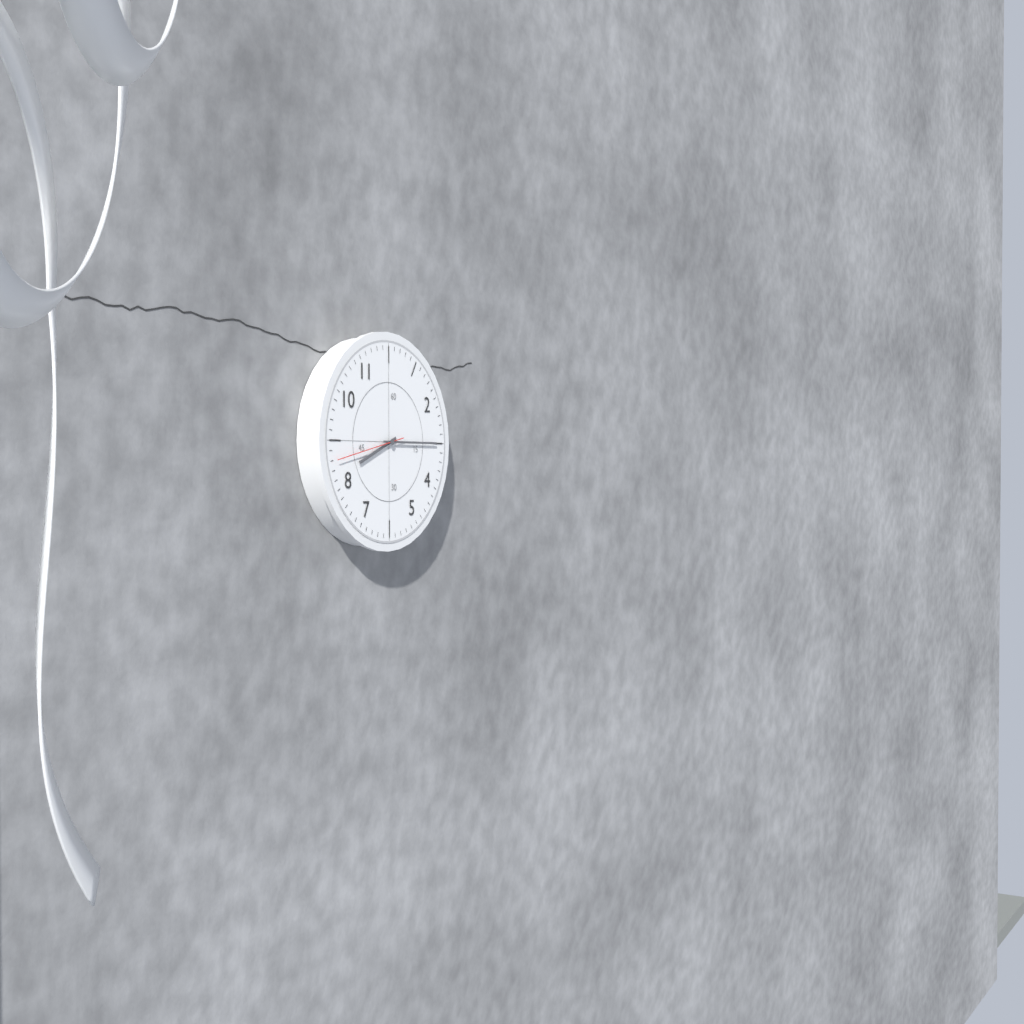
8:15:43
